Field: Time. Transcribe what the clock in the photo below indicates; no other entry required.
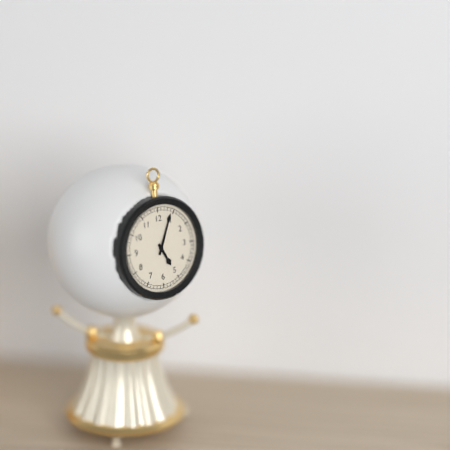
5:04
